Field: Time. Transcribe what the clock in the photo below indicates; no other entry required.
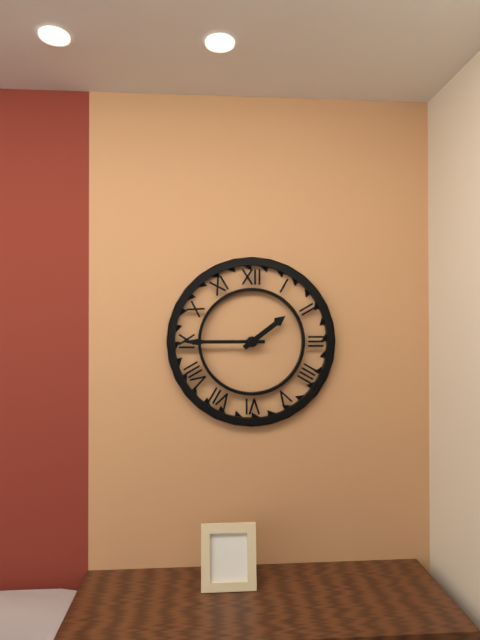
1:45
